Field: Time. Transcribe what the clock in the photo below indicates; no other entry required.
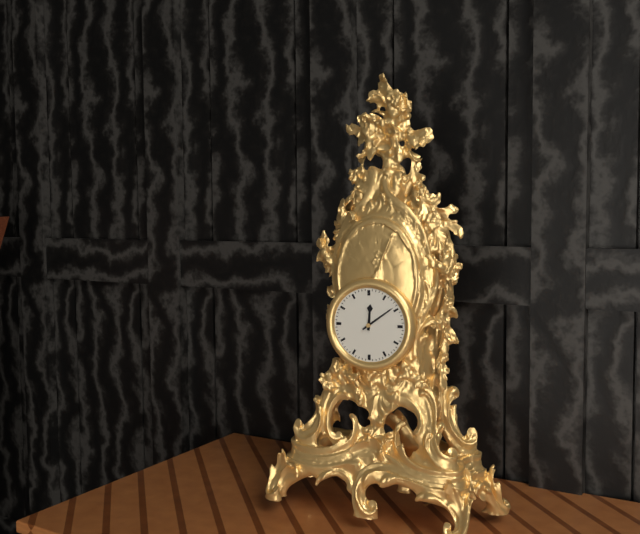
12:09
